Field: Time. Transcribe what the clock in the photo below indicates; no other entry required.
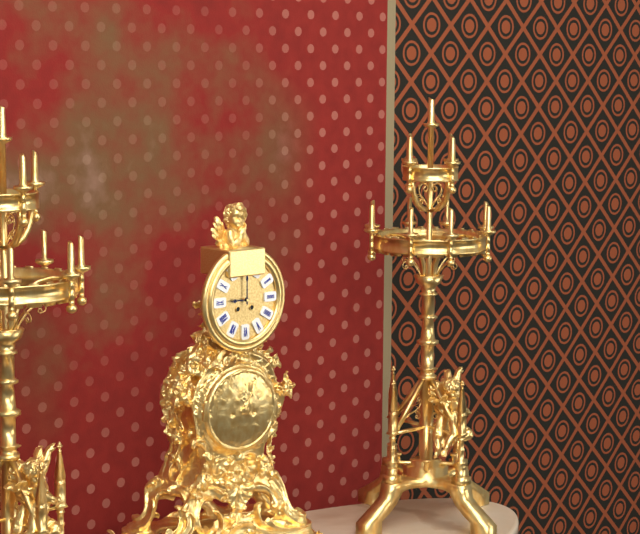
9:00
